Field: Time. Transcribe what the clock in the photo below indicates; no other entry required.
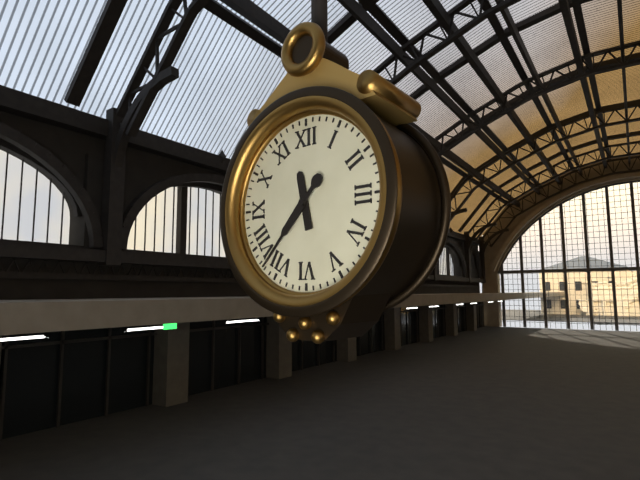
11:37
